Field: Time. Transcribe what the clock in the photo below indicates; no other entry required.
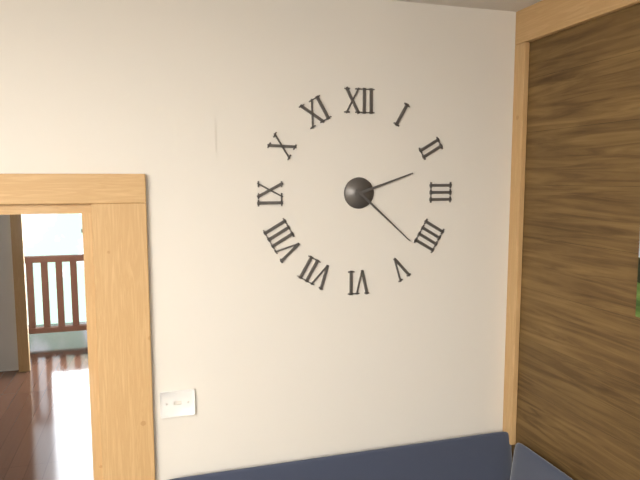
2:22
